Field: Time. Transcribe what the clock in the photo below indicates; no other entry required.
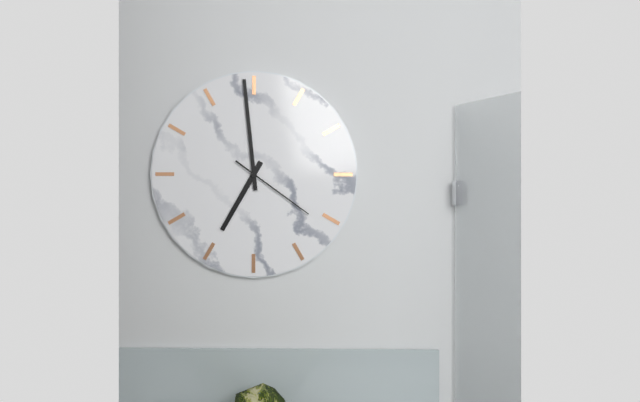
6:59:21
